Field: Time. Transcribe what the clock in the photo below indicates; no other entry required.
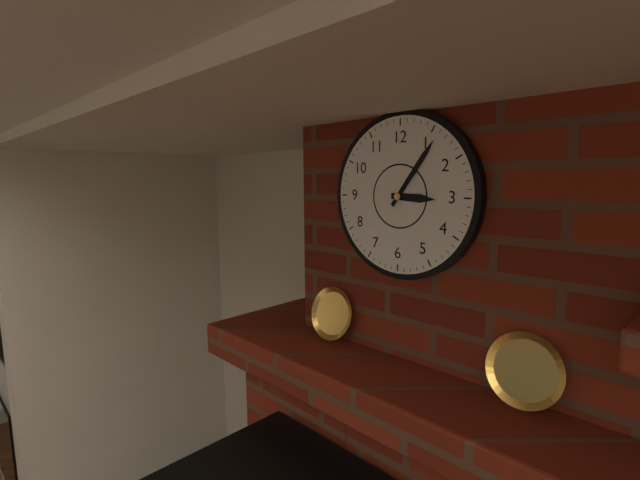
3:06
